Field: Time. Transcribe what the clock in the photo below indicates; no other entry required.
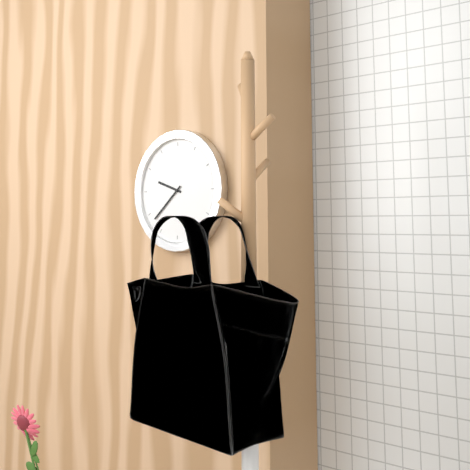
9:38
